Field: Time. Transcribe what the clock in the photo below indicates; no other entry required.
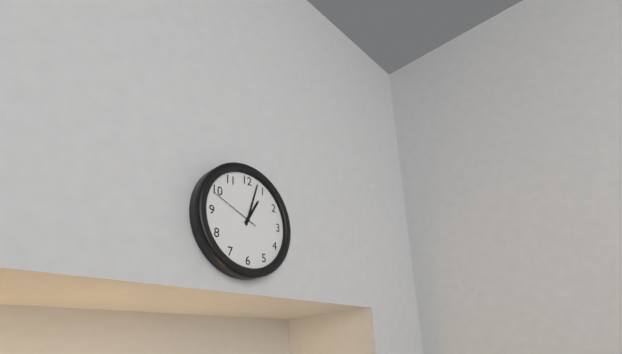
1:03:49
